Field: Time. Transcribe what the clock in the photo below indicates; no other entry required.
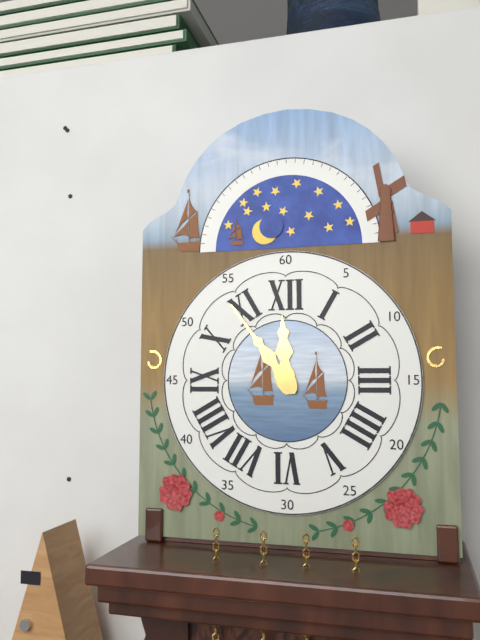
11:54
